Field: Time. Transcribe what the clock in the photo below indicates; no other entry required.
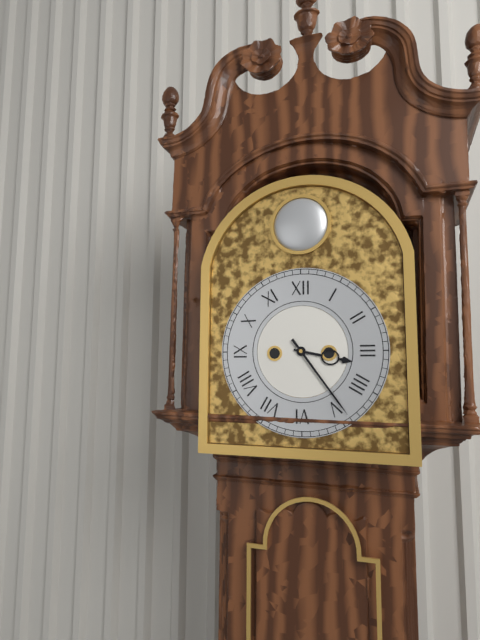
3:24
